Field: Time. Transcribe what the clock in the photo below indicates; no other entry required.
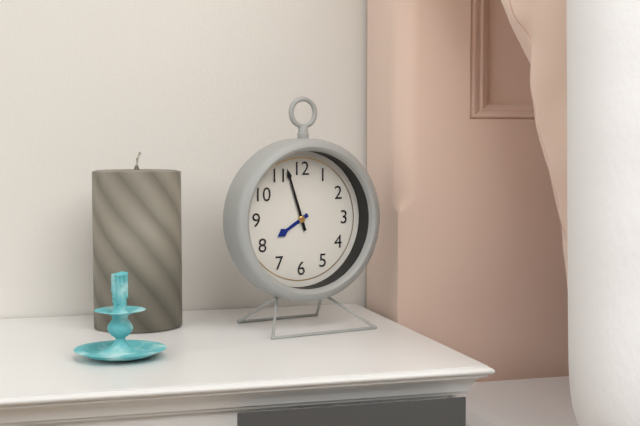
7:57
